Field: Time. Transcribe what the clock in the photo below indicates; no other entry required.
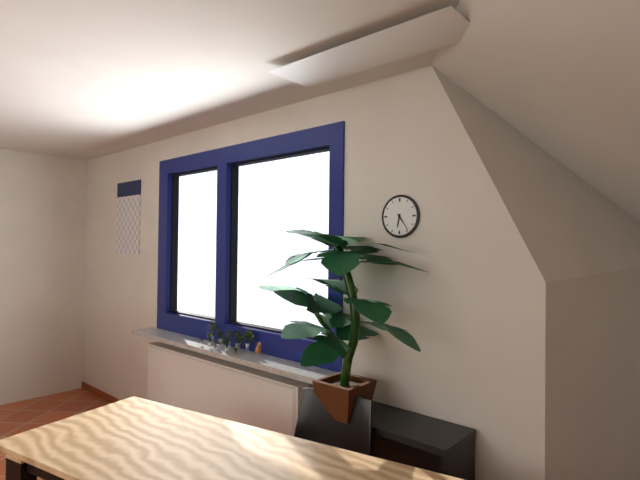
6:24
